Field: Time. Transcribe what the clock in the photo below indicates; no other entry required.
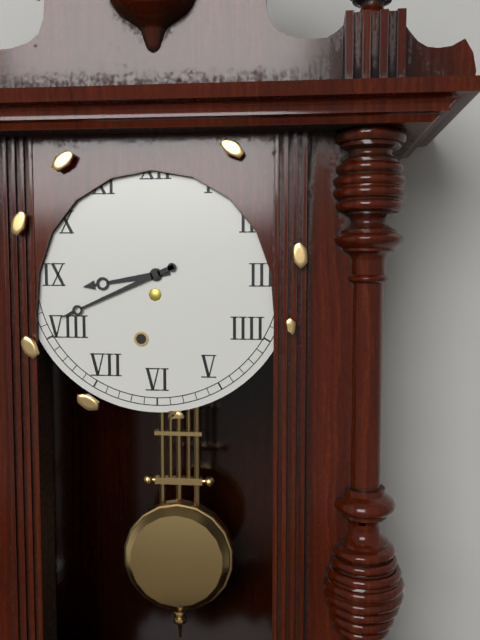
8:41
